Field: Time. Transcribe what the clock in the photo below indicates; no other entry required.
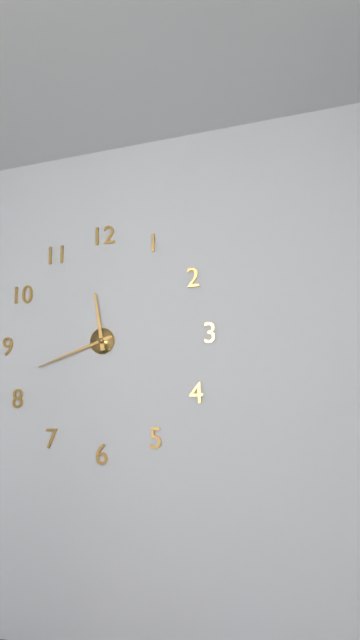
11:42
